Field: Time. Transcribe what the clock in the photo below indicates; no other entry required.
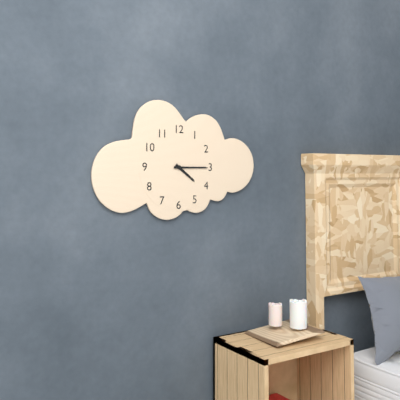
4:15
